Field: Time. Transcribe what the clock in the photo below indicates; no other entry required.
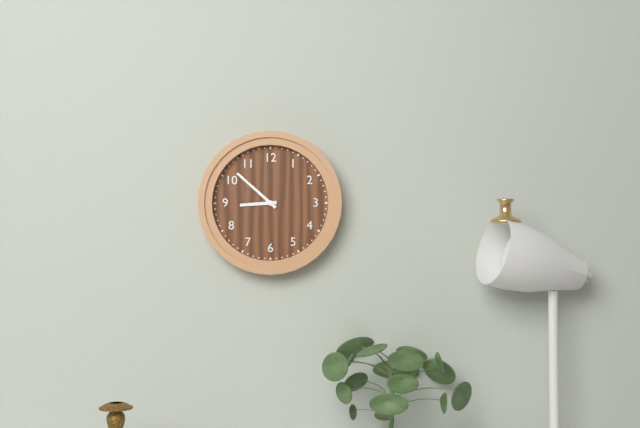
8:52
